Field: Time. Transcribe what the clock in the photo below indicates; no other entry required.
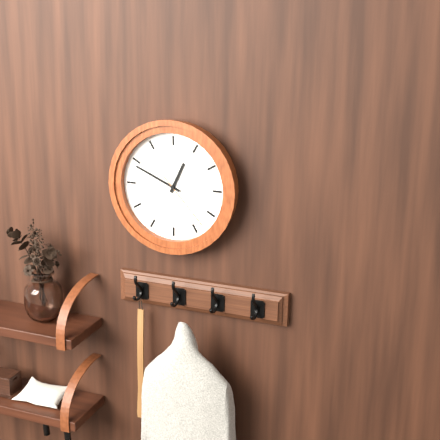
12:49:23
